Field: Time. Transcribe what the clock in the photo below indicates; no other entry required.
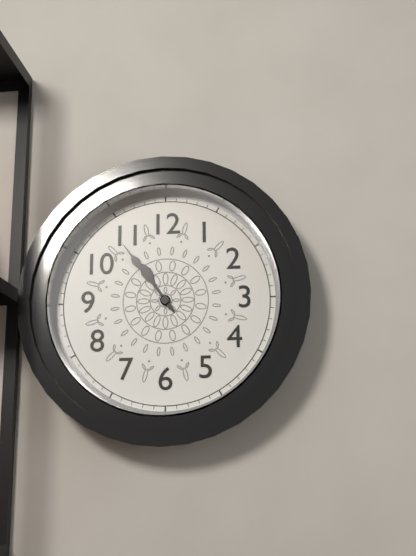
10:54
